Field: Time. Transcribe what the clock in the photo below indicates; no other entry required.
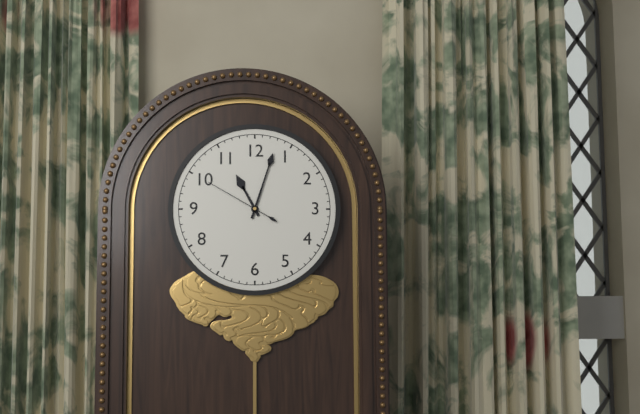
11:03:50
